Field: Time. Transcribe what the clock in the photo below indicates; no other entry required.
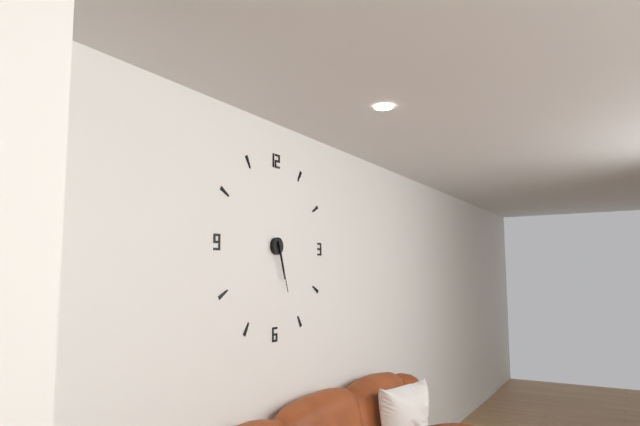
5:27
